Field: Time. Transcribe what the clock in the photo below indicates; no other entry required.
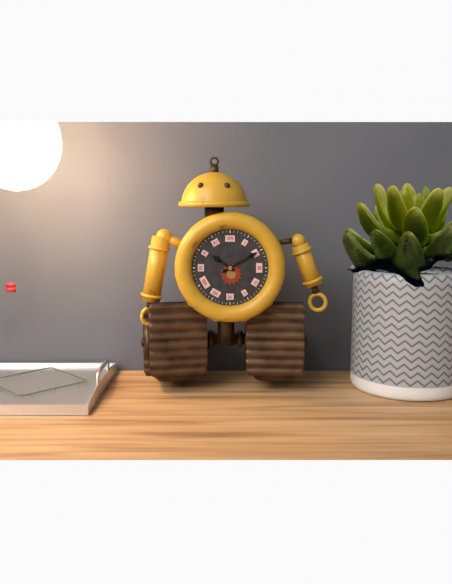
10:10
